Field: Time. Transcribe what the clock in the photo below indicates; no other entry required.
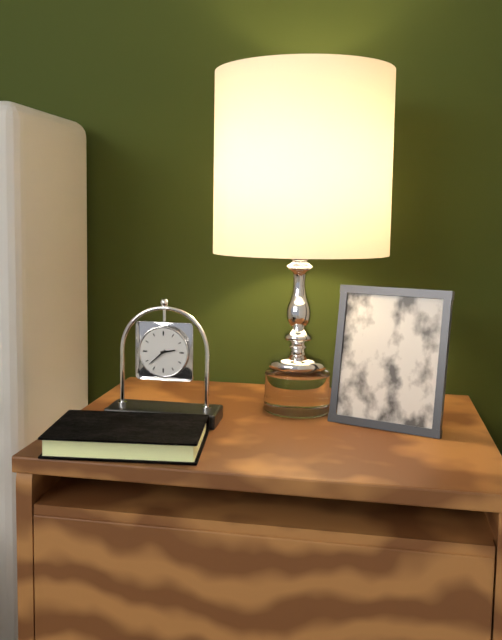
2:38
